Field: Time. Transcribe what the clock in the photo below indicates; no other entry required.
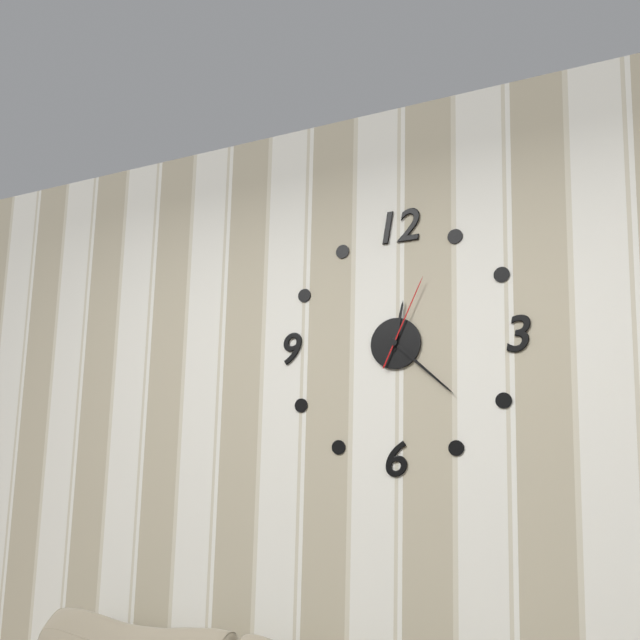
12:22:04
